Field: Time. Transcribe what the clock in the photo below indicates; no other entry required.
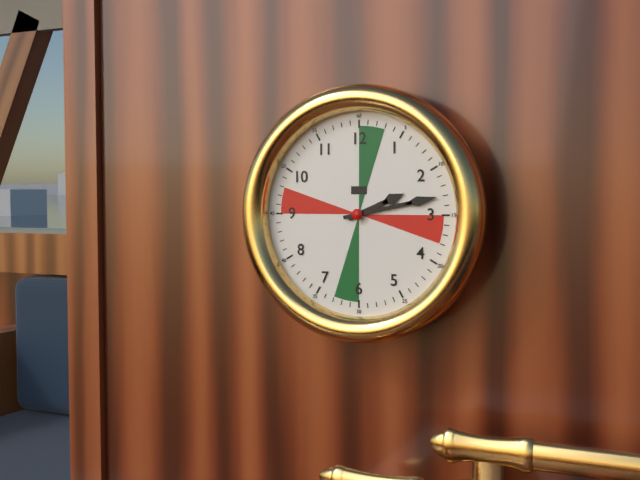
2:13
